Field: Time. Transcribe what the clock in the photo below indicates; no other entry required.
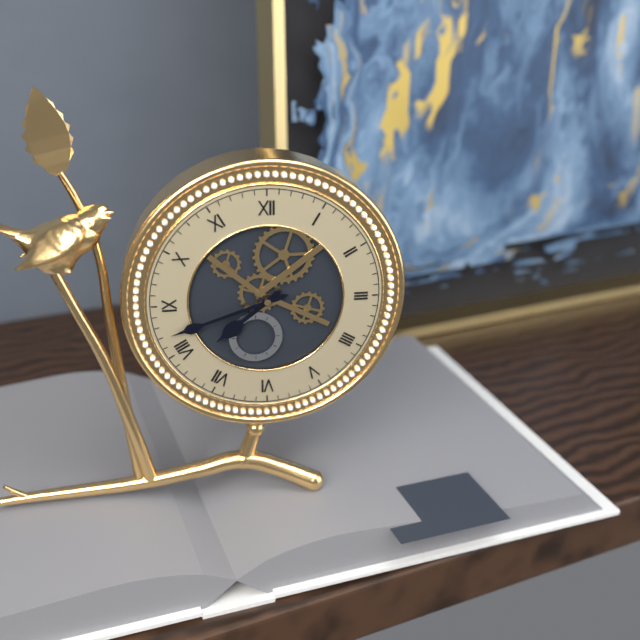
7:42
